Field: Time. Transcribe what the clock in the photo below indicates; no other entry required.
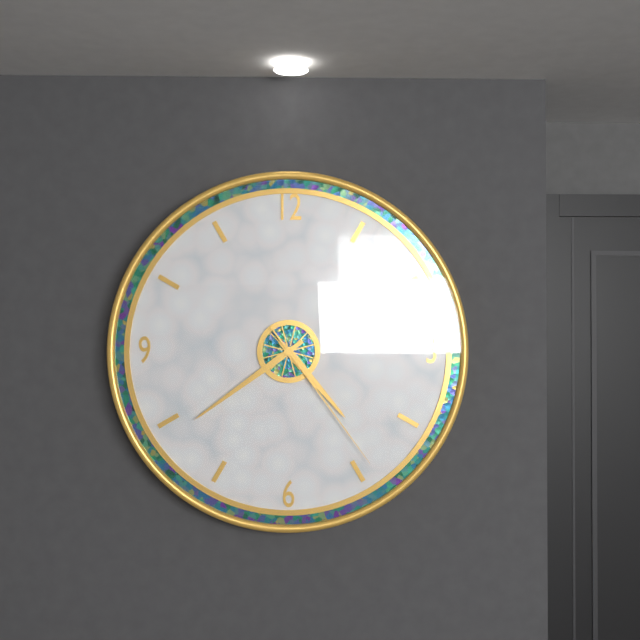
4:39:24
